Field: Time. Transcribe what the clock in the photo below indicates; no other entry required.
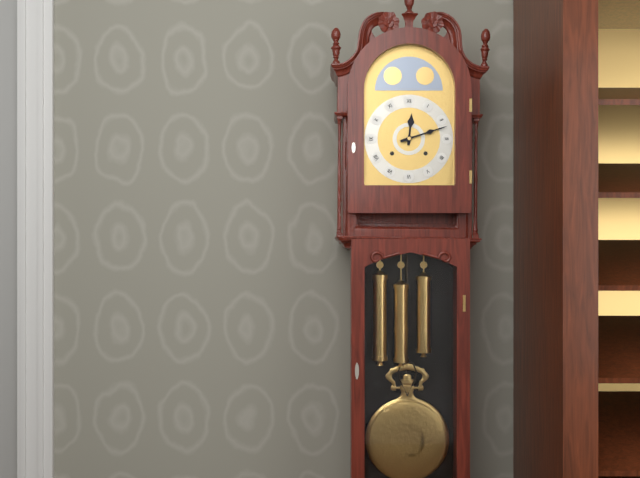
12:12
